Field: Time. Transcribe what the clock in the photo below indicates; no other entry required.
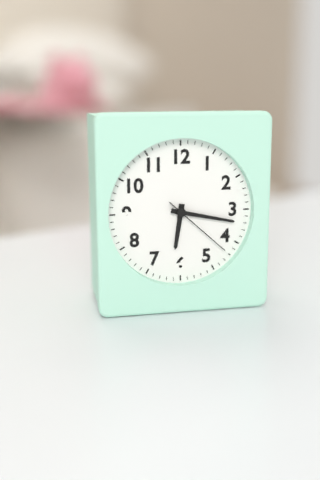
6:17:22
